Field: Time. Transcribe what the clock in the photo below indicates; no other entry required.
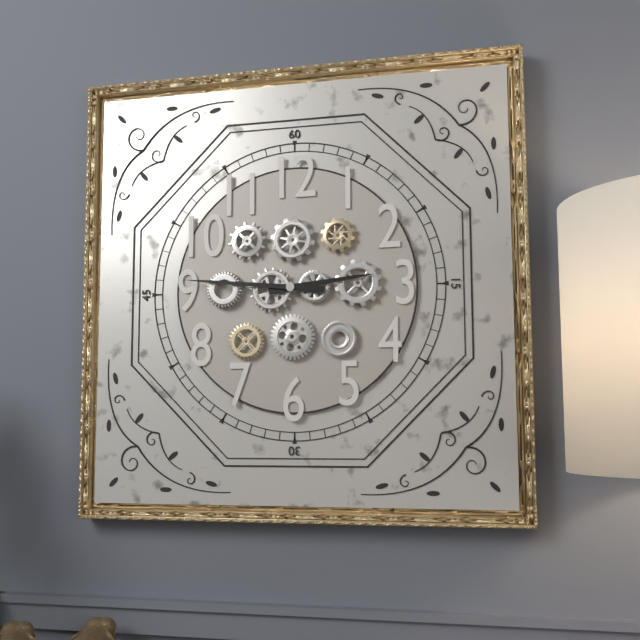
2:46
